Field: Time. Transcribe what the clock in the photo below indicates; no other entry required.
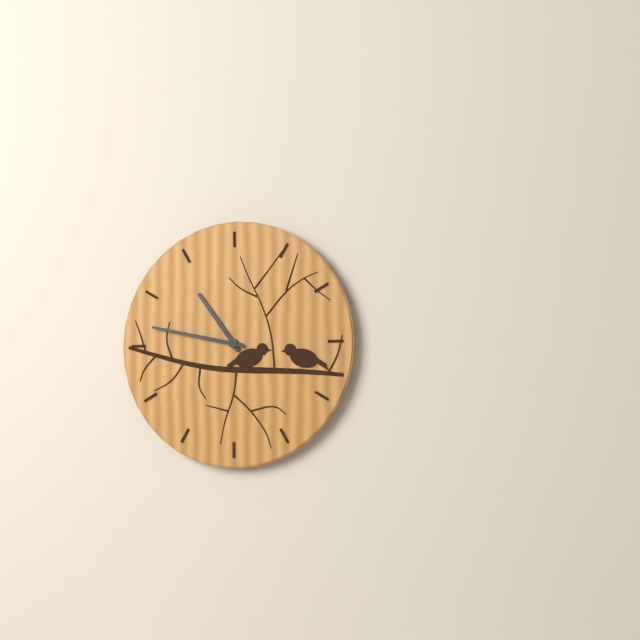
10:47
